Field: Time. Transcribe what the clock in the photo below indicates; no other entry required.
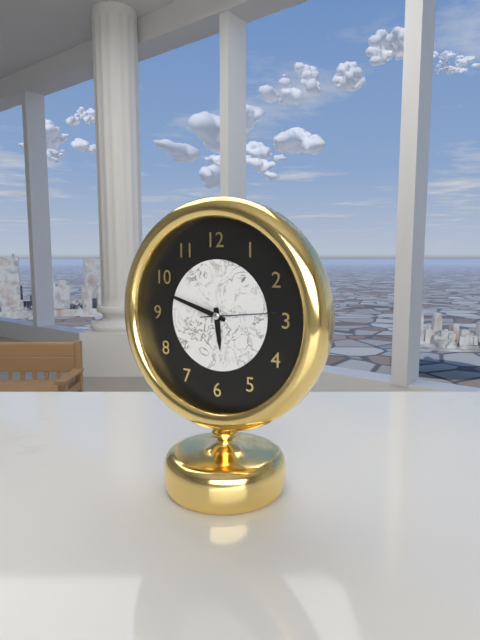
5:48:14
